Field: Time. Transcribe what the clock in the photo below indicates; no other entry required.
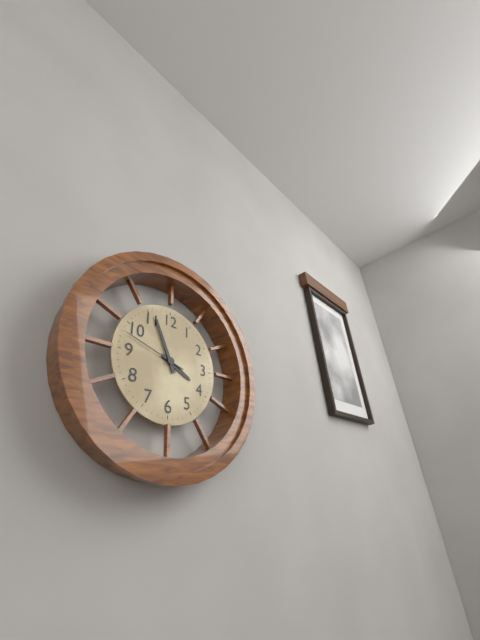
3:56:48
